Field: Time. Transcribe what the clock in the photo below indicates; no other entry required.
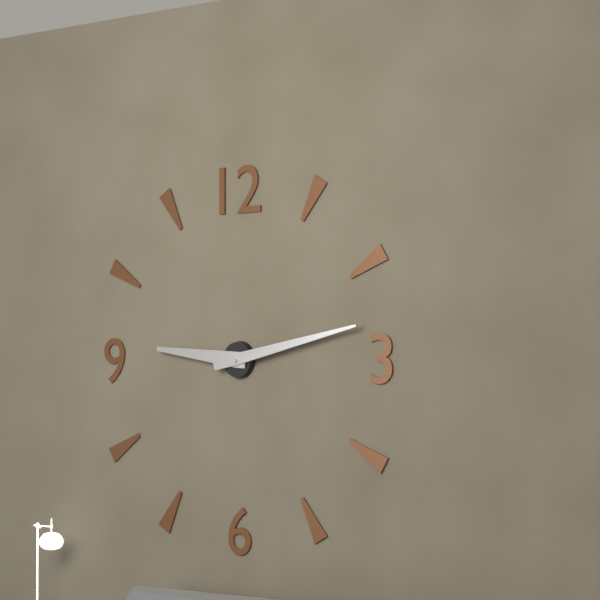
9:13
